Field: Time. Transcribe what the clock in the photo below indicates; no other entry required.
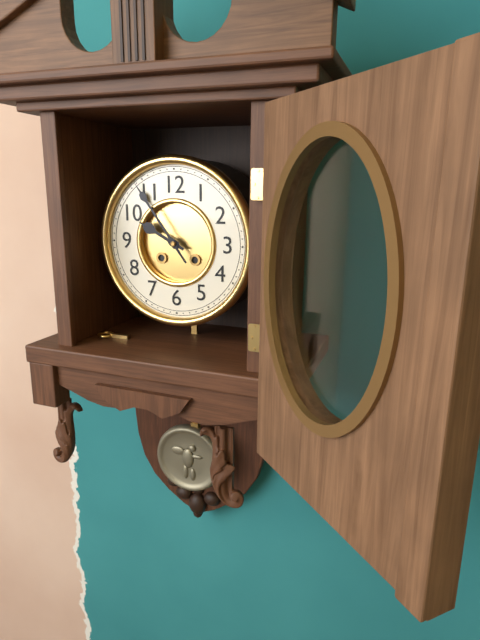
9:54
